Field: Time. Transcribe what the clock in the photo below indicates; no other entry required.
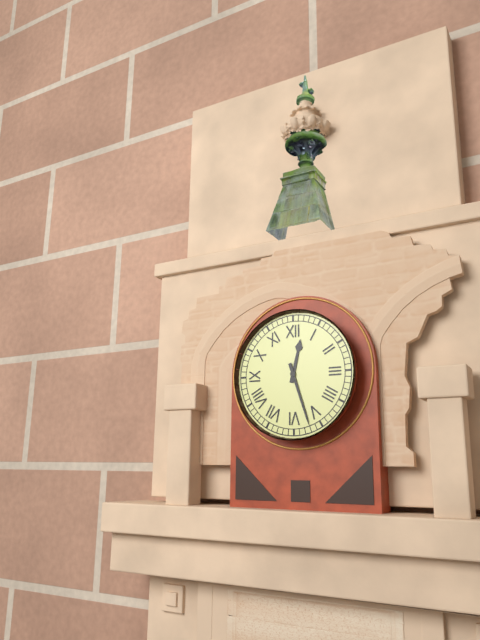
12:27
